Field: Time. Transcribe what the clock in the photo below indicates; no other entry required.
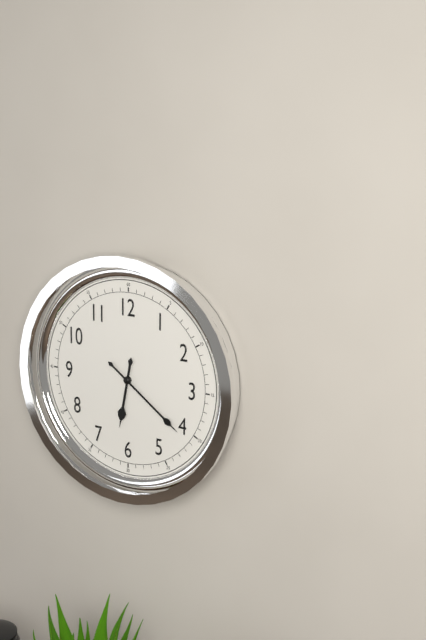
6:21
